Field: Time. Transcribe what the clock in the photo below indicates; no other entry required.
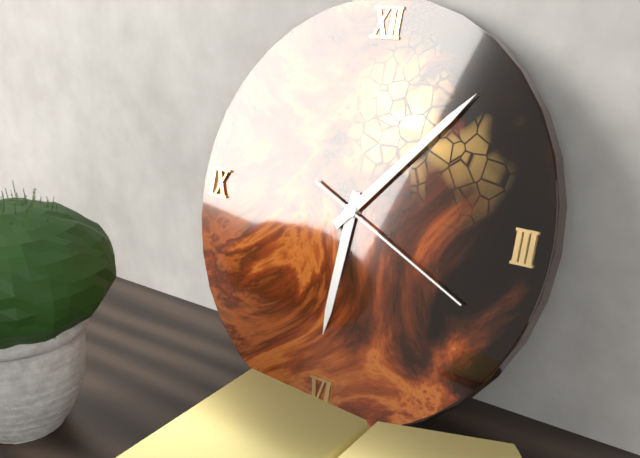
6:07:19
